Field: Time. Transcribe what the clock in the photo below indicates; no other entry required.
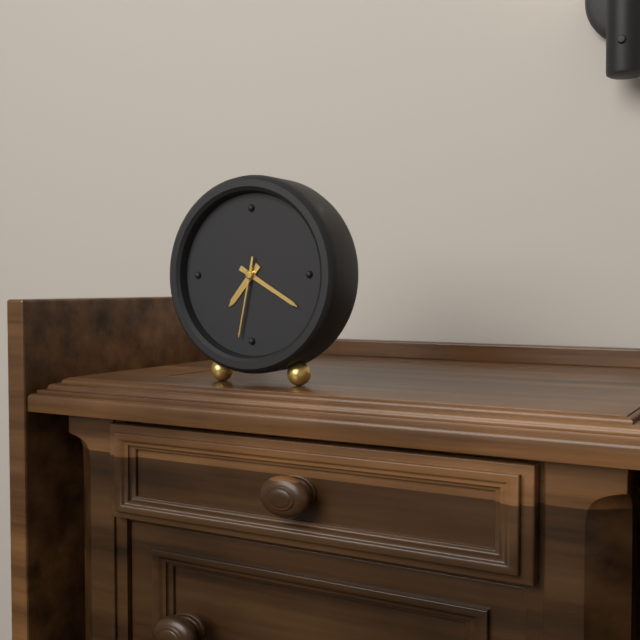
7:20:32
